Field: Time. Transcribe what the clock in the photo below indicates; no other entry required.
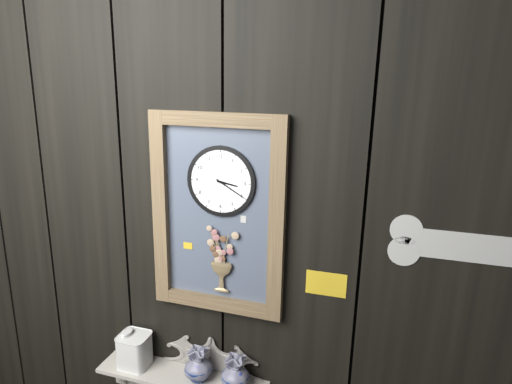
3:20
